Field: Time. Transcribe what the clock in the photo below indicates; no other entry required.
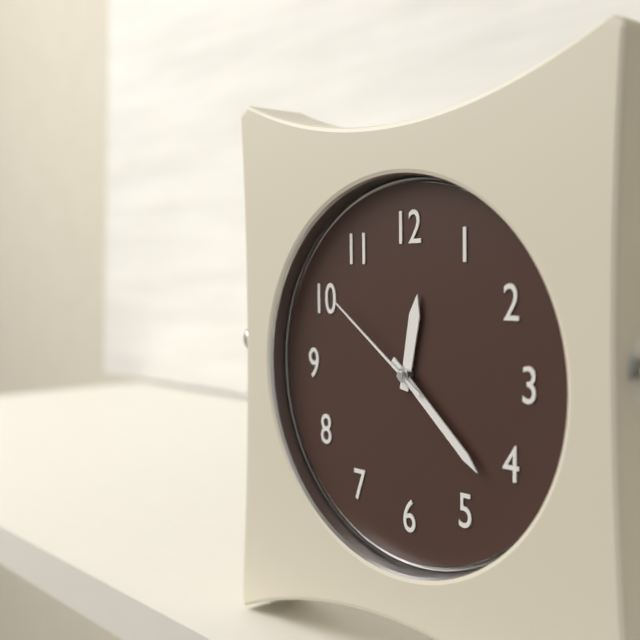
12:22:51
